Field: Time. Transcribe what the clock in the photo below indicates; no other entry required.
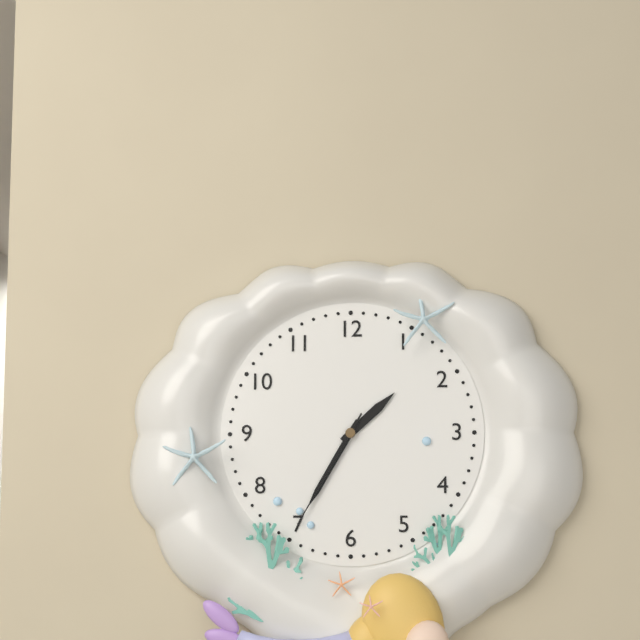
1:35:35
